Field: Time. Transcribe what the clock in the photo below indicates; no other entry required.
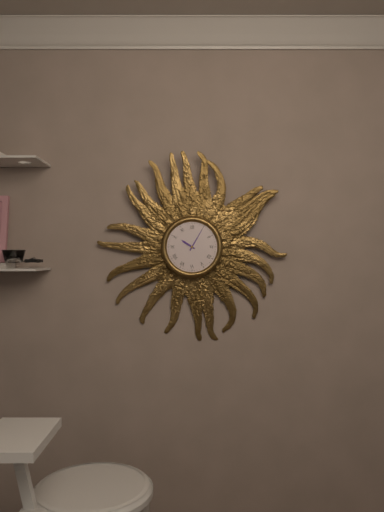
10:05
